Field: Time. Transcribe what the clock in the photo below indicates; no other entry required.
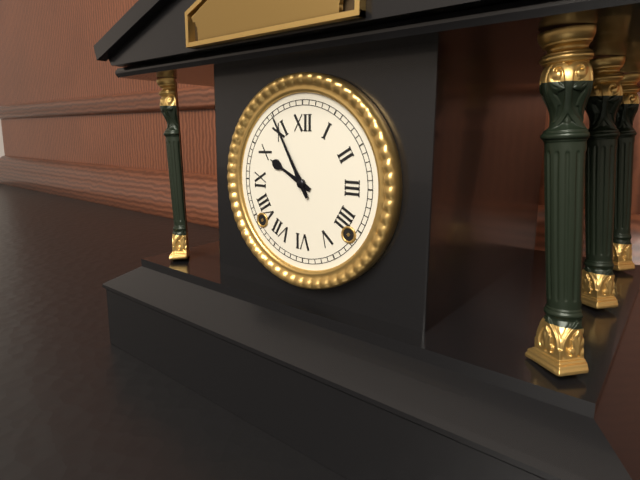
9:55
